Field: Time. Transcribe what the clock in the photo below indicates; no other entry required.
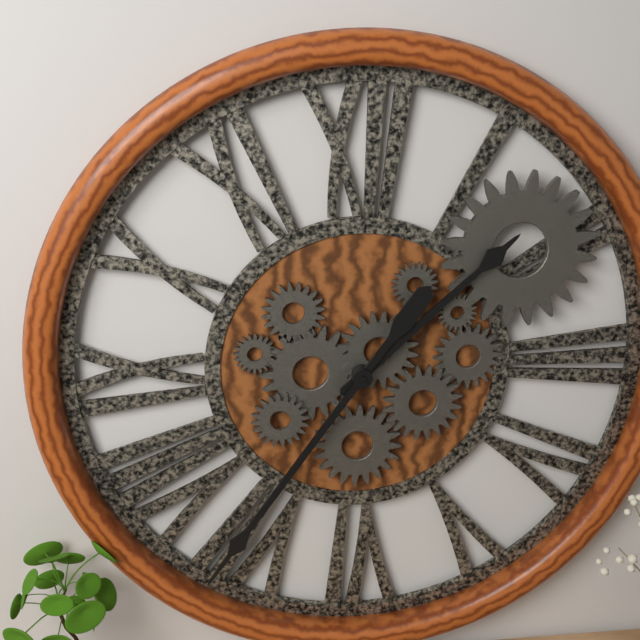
1:36
